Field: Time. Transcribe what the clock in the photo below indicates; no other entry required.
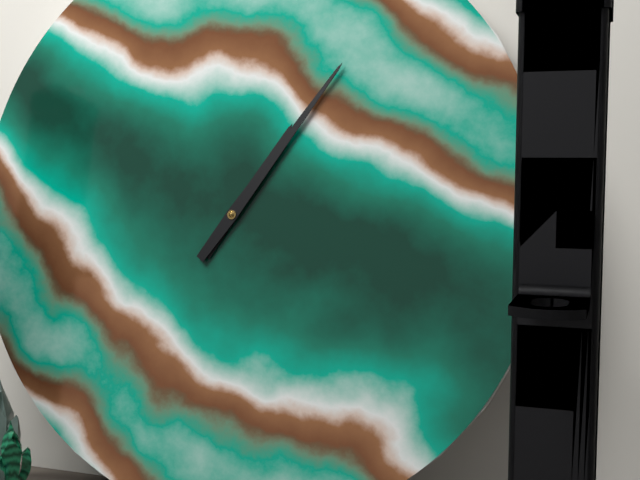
1:06
